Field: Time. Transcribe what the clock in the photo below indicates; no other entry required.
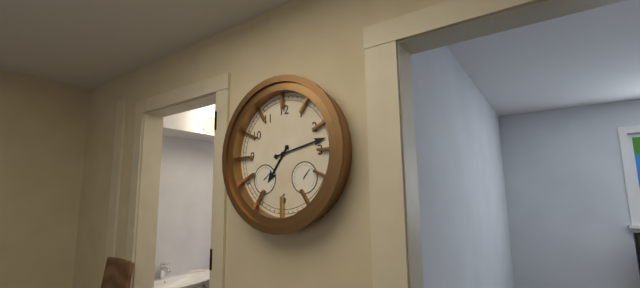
7:13
